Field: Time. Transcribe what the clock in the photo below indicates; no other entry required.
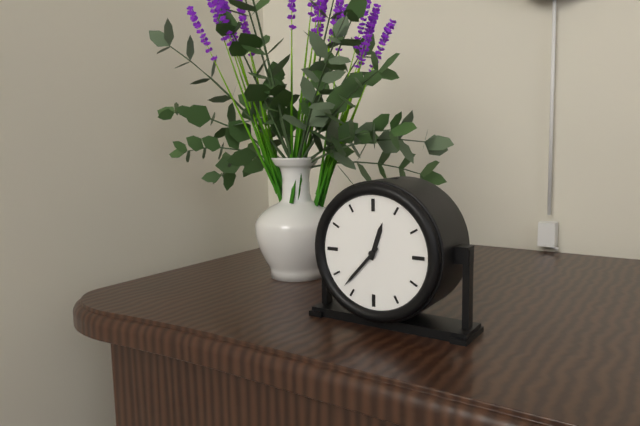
12:37
